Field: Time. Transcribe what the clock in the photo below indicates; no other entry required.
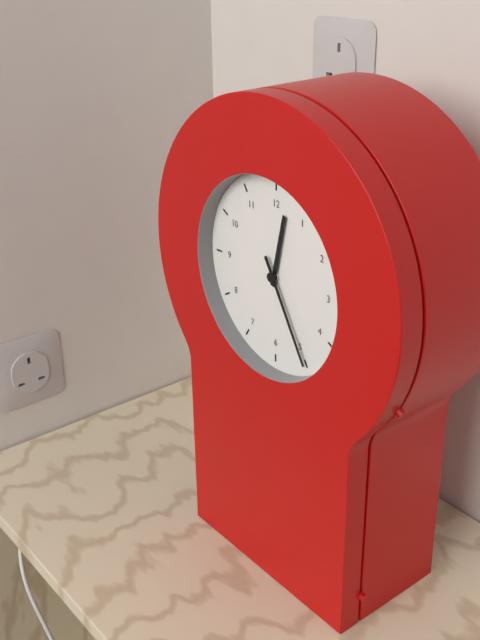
12:25
